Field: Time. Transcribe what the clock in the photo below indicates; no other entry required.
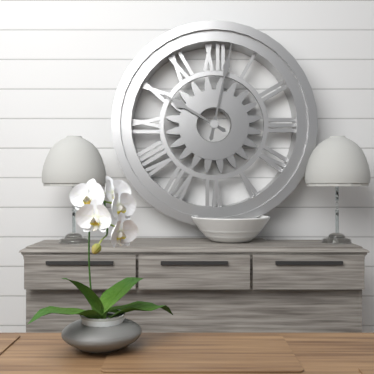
10:02
